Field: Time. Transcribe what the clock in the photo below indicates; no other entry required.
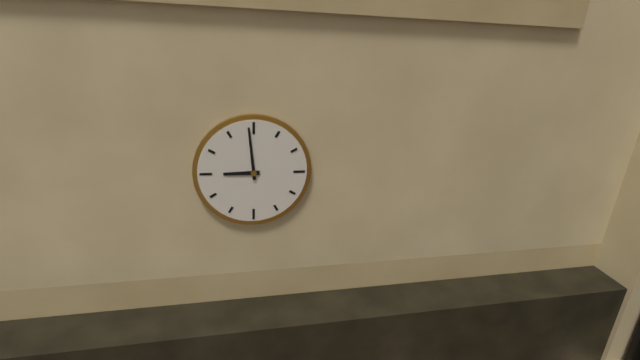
8:59
